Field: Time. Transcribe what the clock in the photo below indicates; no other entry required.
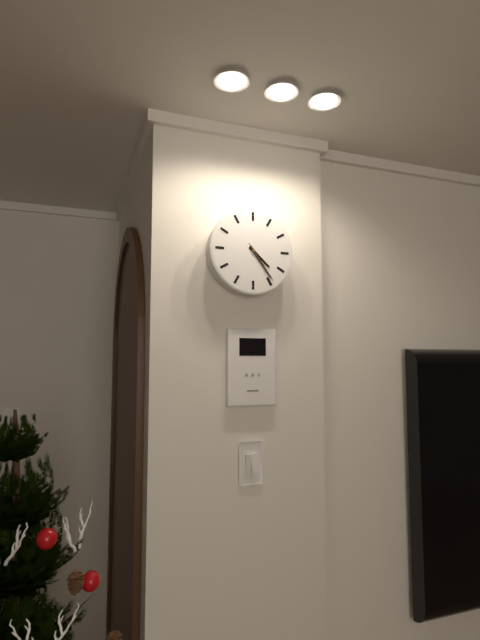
4:24
